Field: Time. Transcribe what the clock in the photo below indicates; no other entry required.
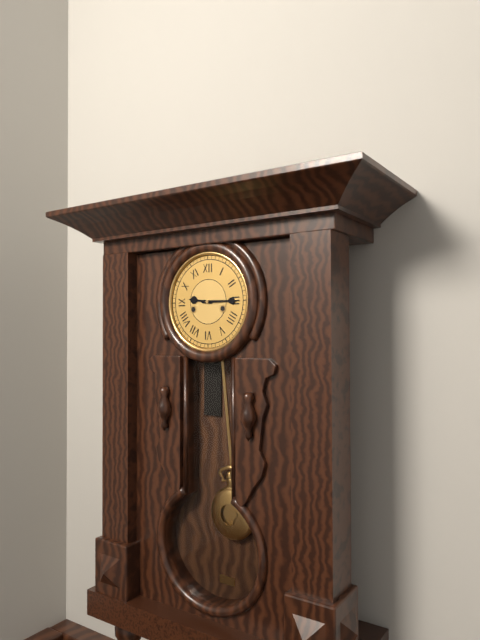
9:15
